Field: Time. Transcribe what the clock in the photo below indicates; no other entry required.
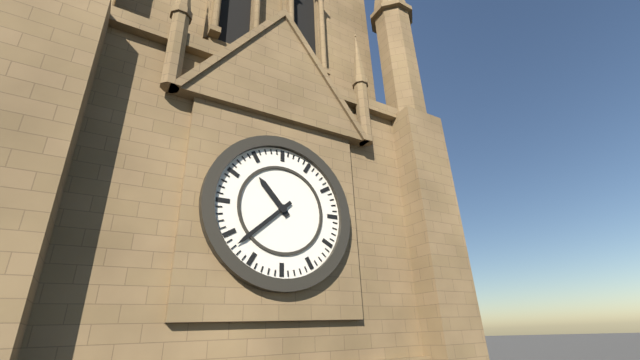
10:38
